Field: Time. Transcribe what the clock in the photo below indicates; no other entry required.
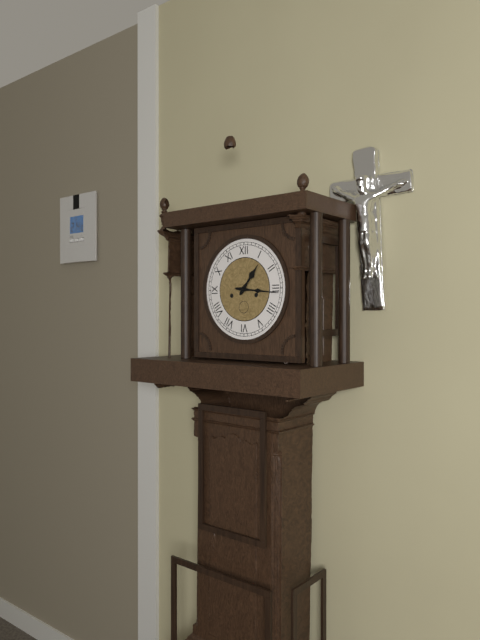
1:16
